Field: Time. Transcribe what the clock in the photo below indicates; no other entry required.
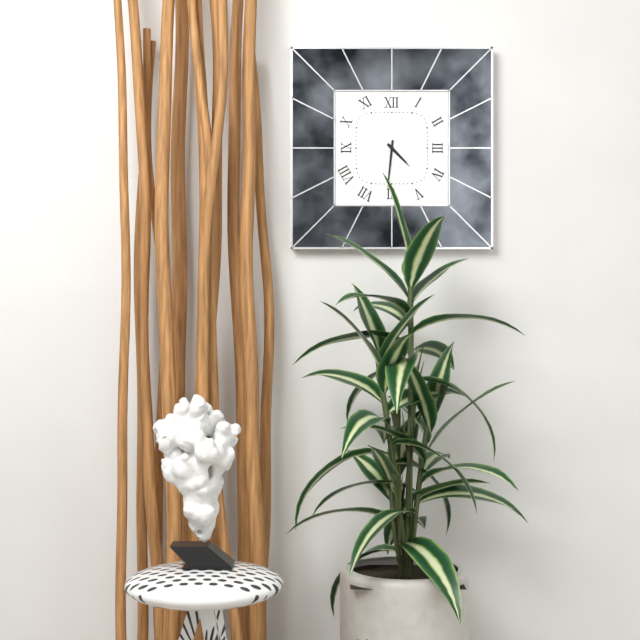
4:31
